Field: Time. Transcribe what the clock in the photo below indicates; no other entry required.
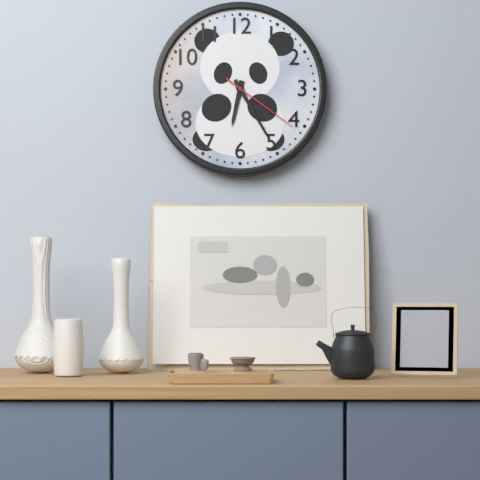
6:25:21
